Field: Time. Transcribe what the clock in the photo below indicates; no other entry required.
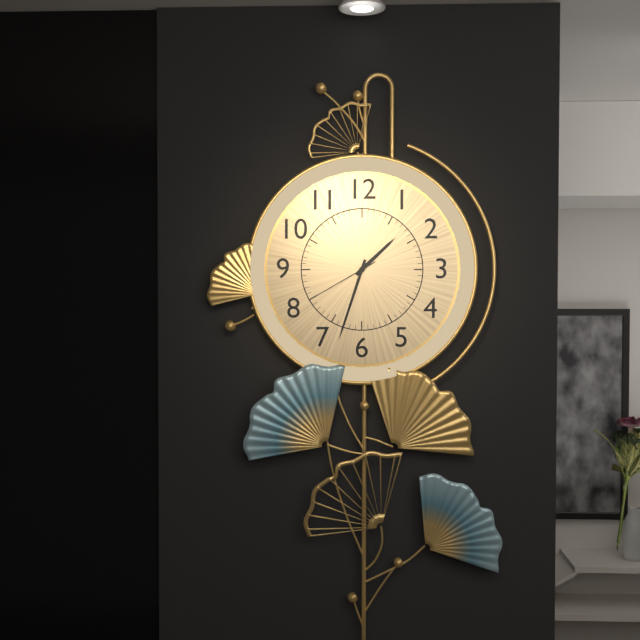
1:33:40
